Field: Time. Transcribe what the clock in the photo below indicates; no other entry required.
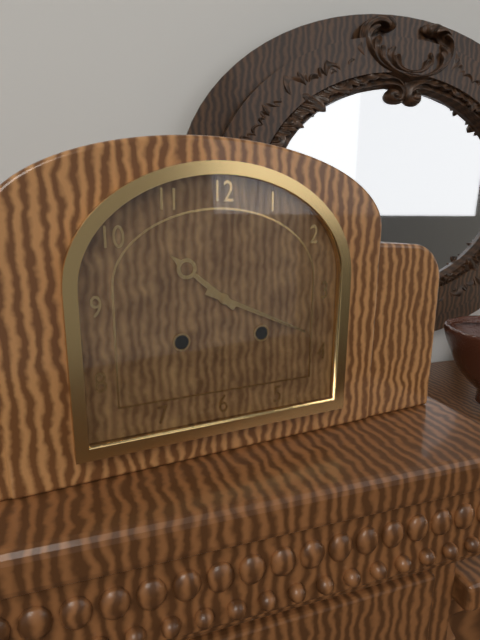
10:19
